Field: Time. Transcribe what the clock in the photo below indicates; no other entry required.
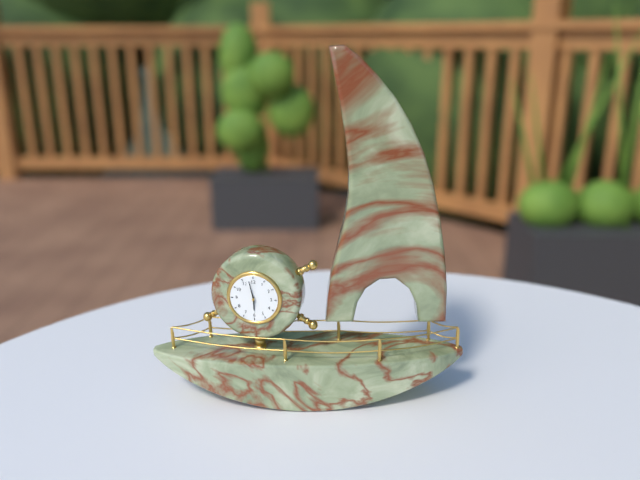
5:58
